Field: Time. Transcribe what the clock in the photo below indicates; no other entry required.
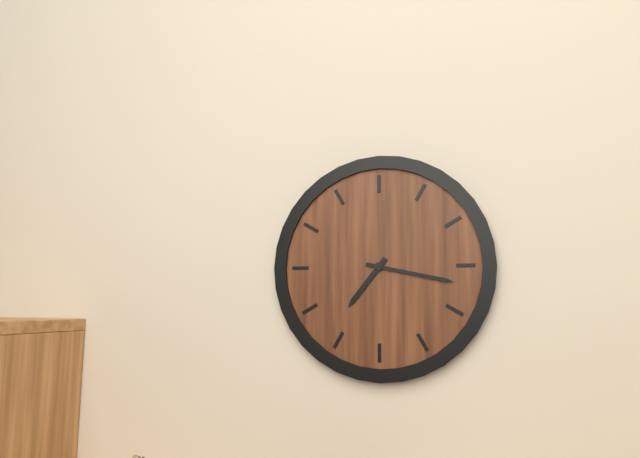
7:17
